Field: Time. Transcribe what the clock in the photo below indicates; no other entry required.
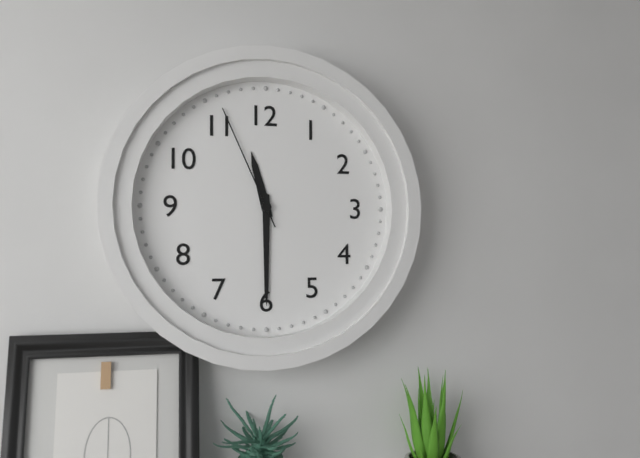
11:30:56
